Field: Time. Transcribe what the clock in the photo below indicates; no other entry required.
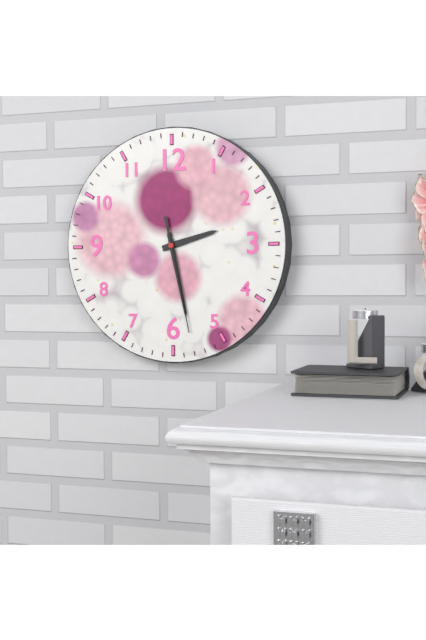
2:28:28
